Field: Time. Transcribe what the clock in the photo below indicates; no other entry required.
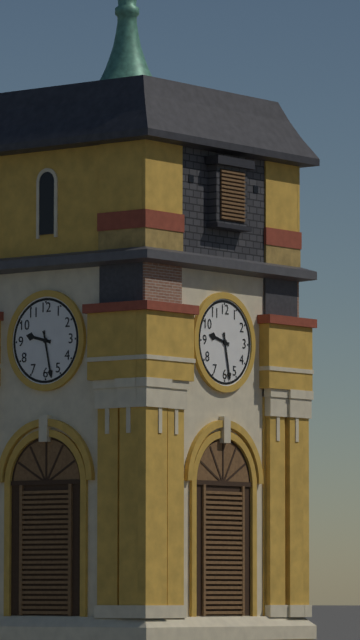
9:28
